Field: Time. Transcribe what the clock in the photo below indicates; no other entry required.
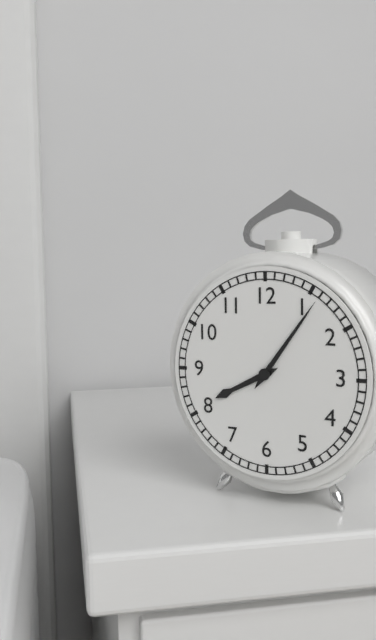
8:06
